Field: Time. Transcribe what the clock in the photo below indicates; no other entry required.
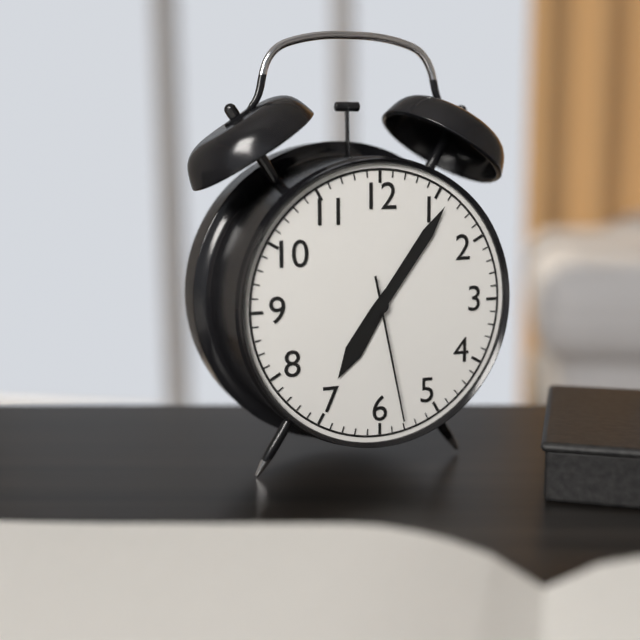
7:06:28
